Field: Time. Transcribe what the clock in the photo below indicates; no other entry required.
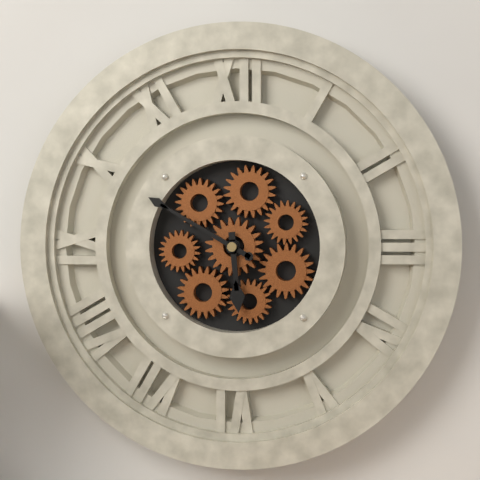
5:50
